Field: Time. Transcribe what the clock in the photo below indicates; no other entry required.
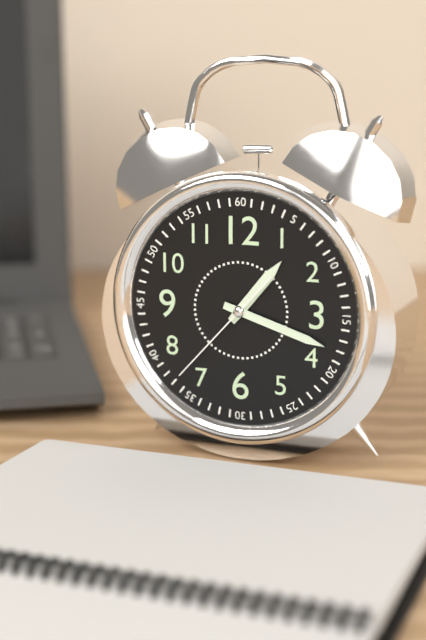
1:18:37
